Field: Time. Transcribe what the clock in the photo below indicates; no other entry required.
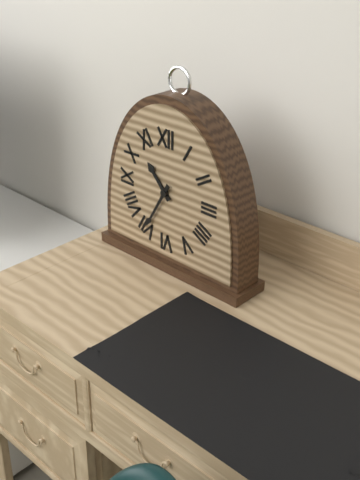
10:35
